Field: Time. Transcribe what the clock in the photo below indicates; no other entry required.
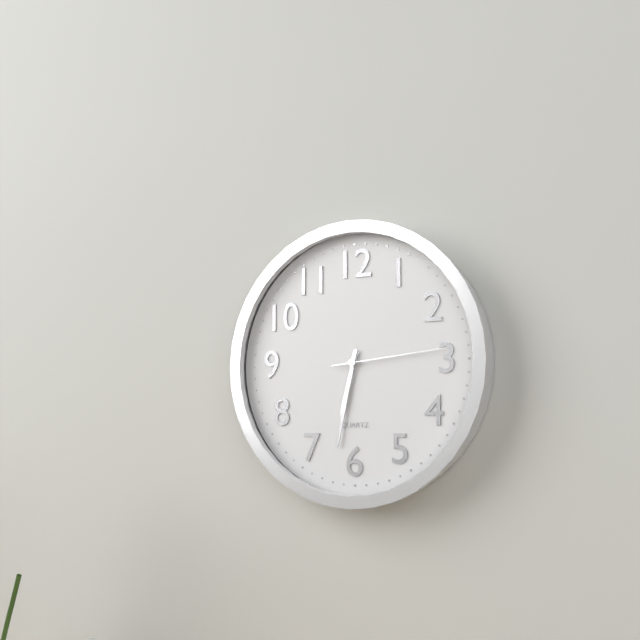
6:32:14
